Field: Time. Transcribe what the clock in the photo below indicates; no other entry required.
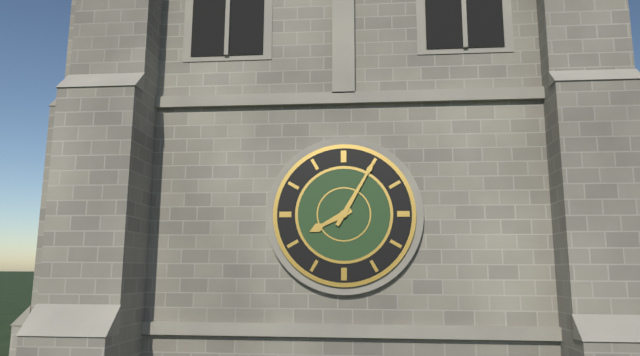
8:05
